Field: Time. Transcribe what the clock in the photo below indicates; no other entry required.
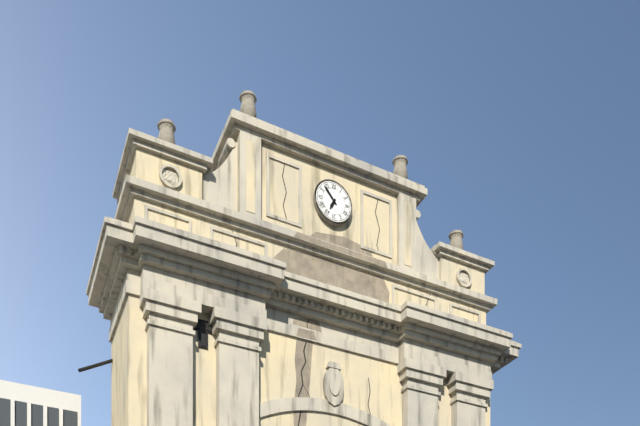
6:53
